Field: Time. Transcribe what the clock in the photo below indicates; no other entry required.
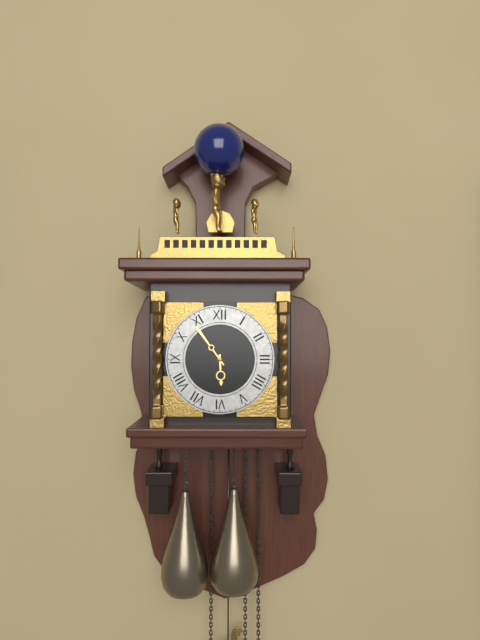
5:54
